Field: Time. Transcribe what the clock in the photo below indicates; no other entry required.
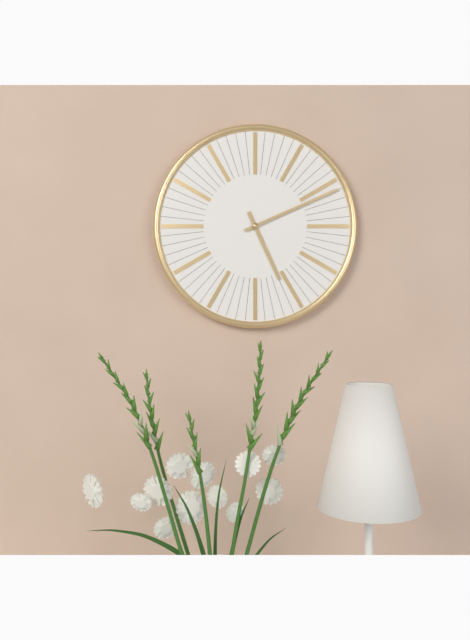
5:11
